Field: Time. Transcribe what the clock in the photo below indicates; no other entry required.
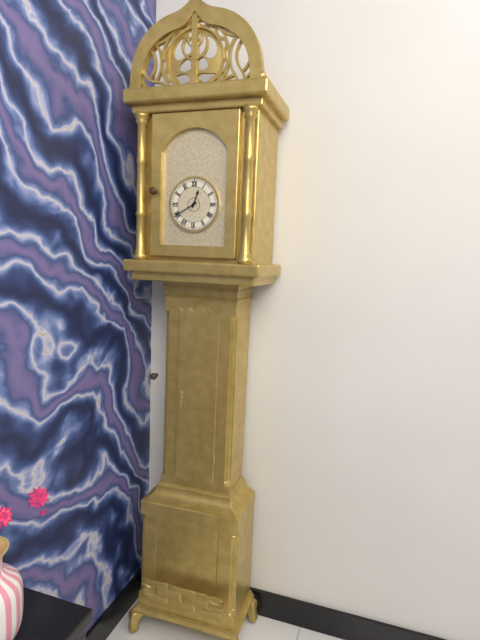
12:40
